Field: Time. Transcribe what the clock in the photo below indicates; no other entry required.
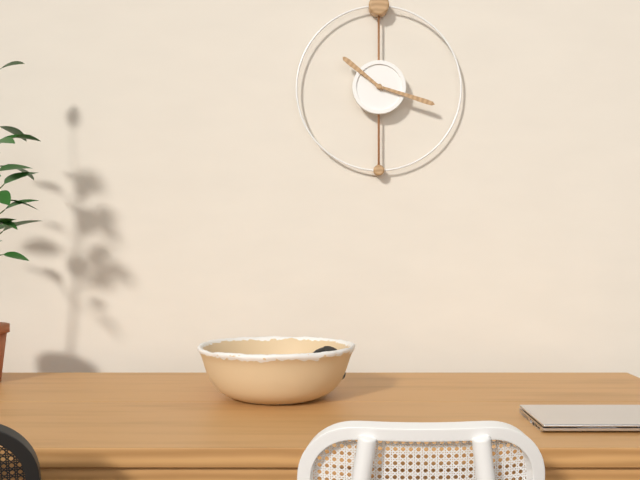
10:18
